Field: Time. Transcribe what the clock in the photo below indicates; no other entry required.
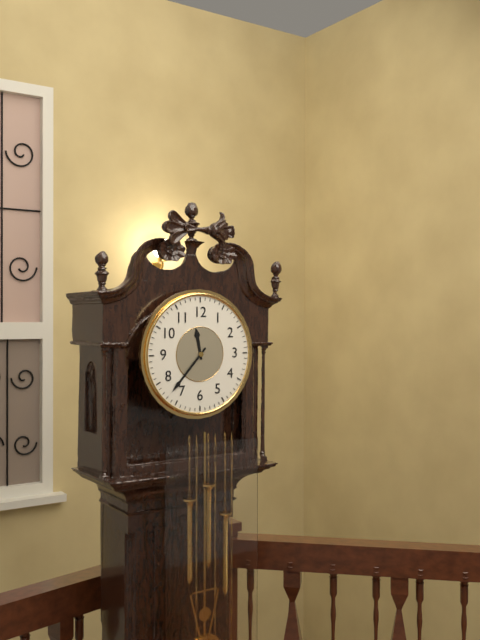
11:37
